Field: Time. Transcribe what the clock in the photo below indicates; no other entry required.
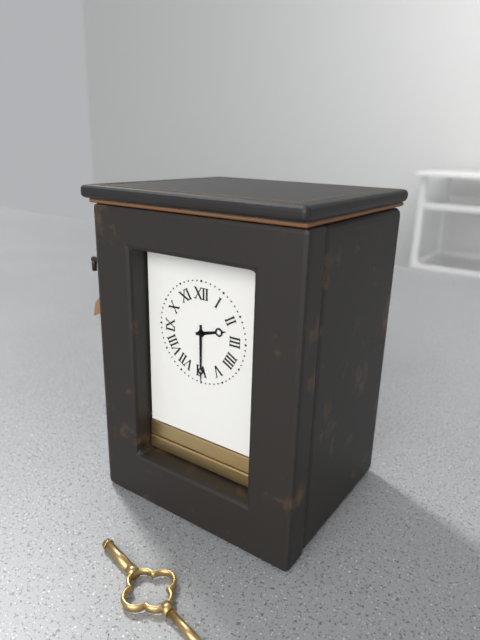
2:30
